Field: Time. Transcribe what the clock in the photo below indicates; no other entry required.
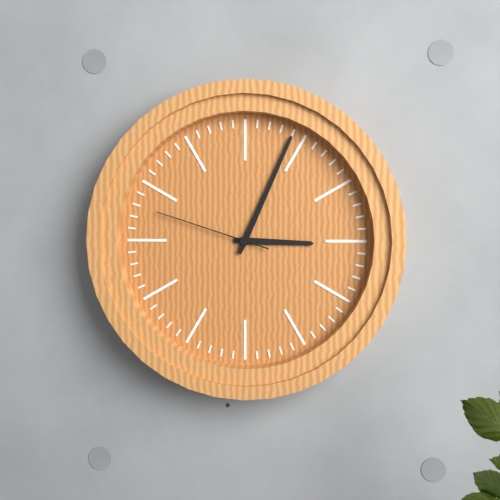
3:04:48
